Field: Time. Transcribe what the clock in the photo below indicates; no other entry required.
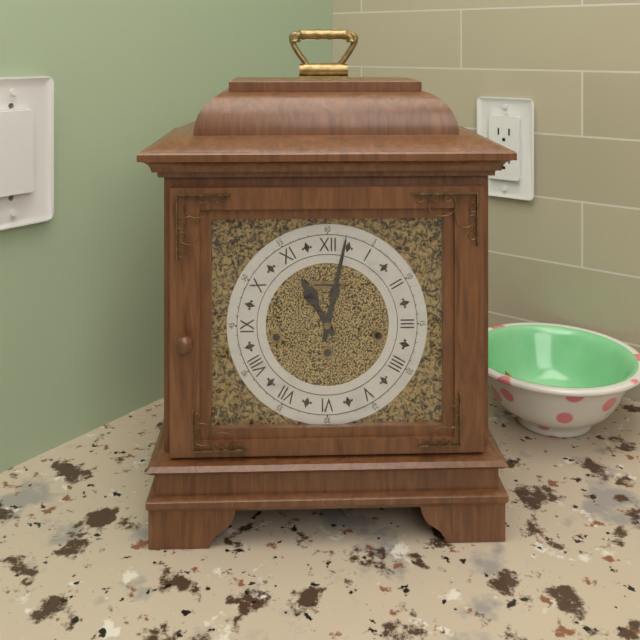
11:02
